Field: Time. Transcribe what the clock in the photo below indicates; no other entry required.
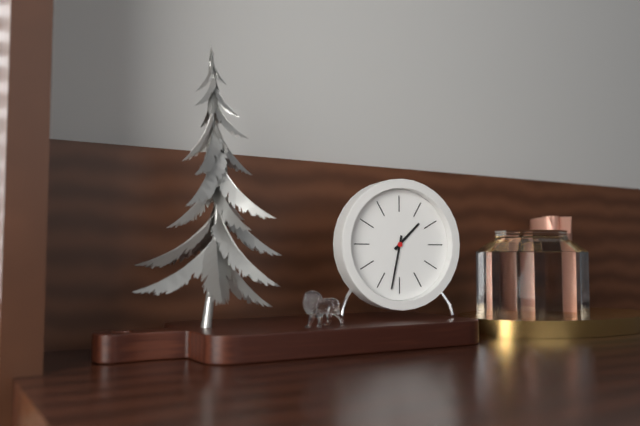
1:32
